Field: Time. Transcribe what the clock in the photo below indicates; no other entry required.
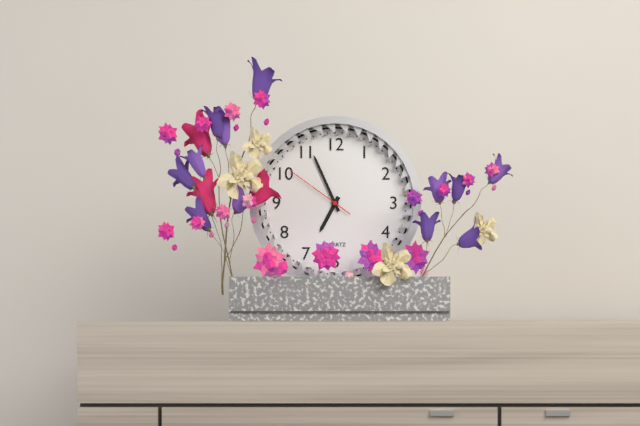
6:56:51
